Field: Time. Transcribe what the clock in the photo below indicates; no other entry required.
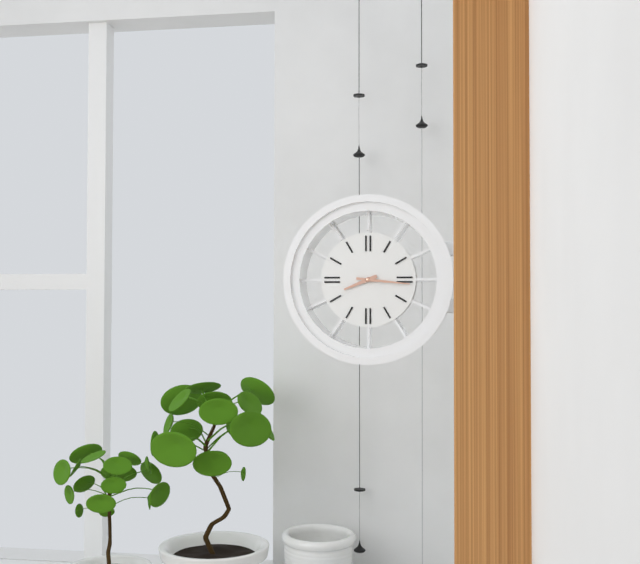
8:16
